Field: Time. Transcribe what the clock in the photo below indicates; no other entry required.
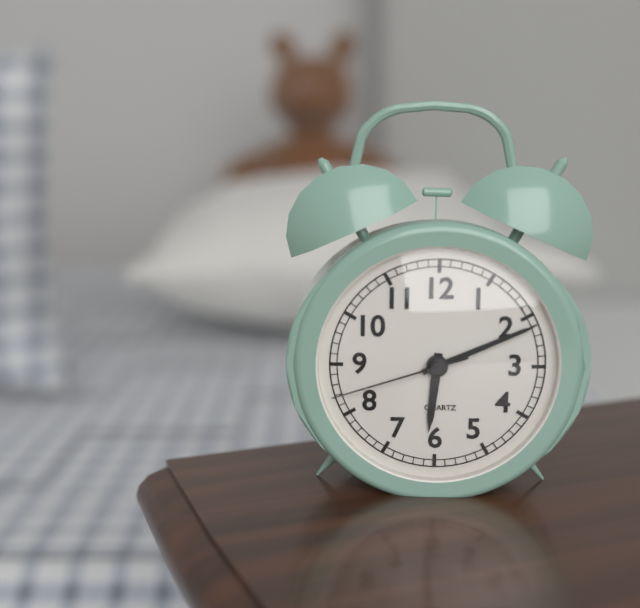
6:11:42
